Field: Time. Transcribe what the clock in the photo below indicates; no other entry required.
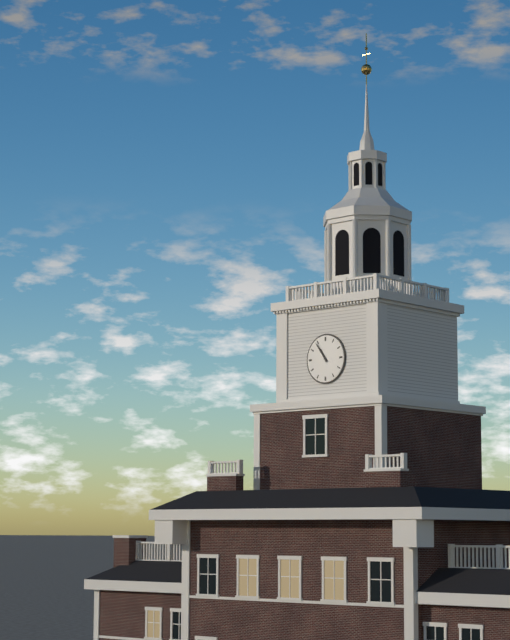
10:54
